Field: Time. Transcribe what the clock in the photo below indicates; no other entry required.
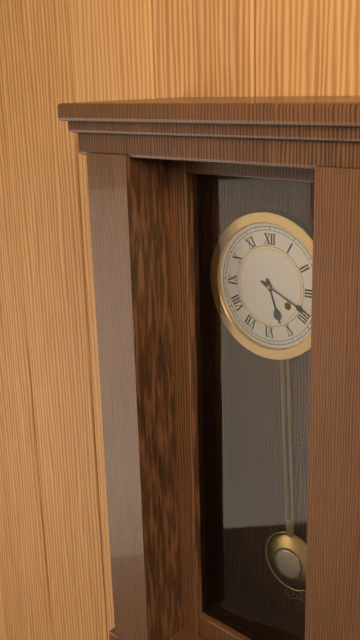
5:19
